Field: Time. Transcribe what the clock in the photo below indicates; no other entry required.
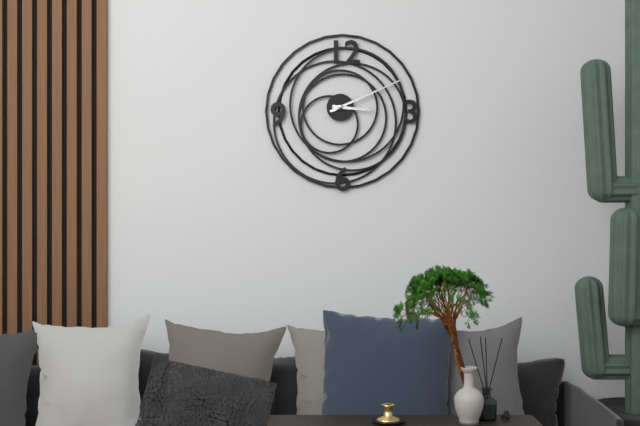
3:11
